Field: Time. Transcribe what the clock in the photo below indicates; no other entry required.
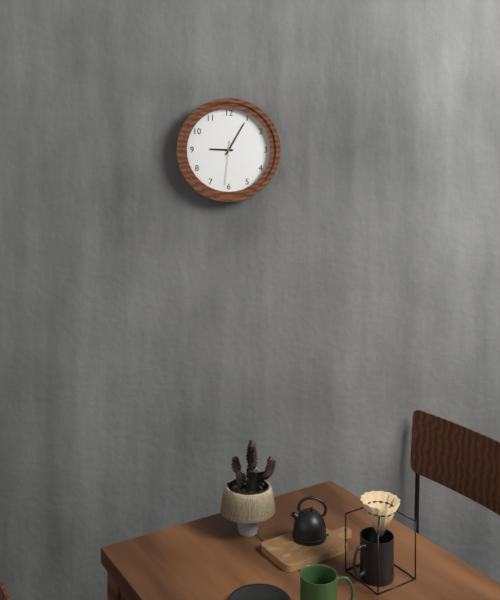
9:05
